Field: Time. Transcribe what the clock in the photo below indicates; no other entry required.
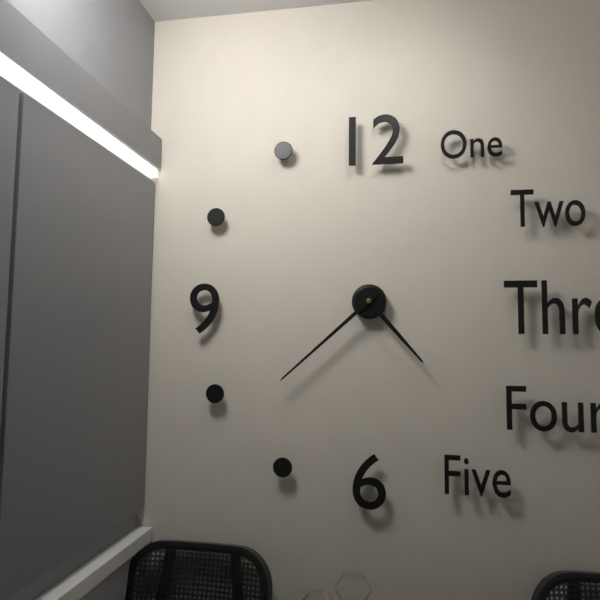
4:38
